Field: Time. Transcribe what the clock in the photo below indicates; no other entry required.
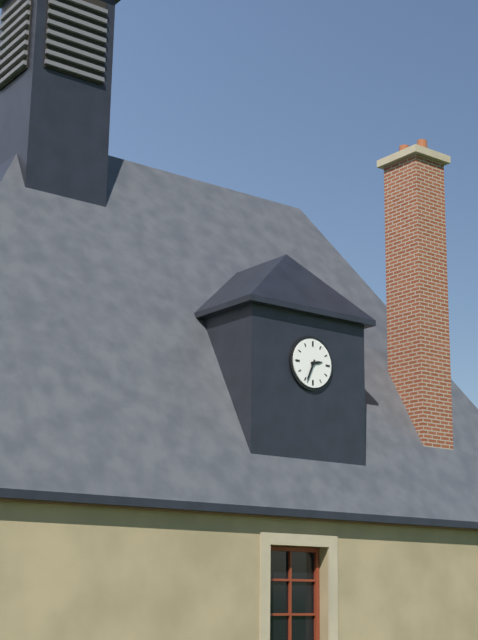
2:34
